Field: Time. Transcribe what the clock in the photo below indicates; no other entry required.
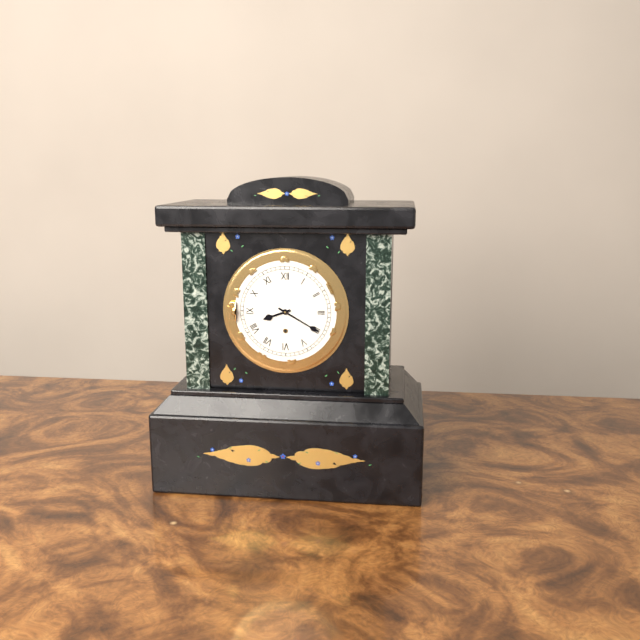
8:20
